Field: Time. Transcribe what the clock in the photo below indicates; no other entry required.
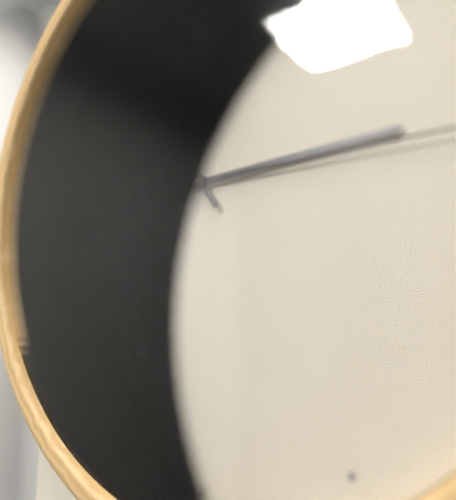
2:54
